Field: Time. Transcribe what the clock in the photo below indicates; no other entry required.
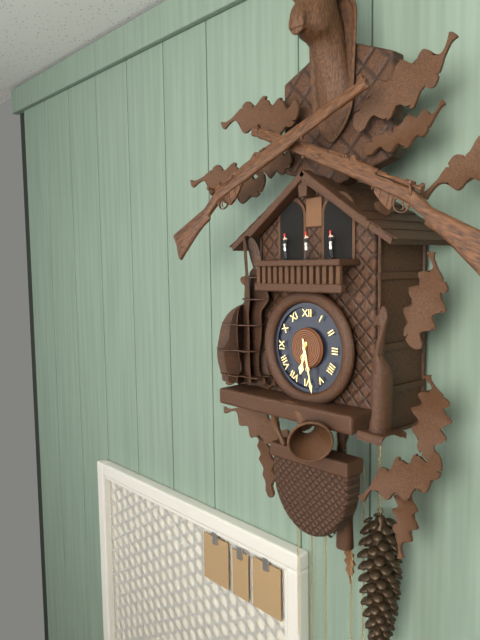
6:28
